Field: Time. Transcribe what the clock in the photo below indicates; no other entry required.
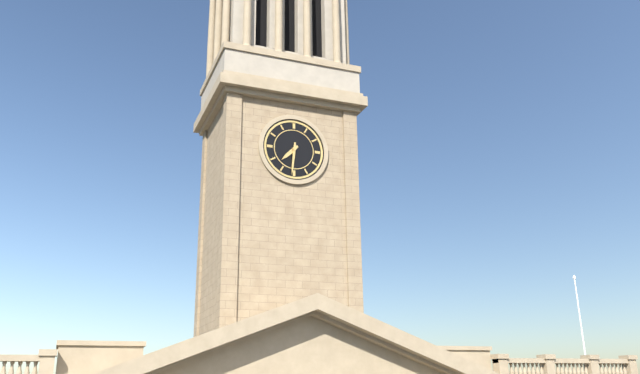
7:31
